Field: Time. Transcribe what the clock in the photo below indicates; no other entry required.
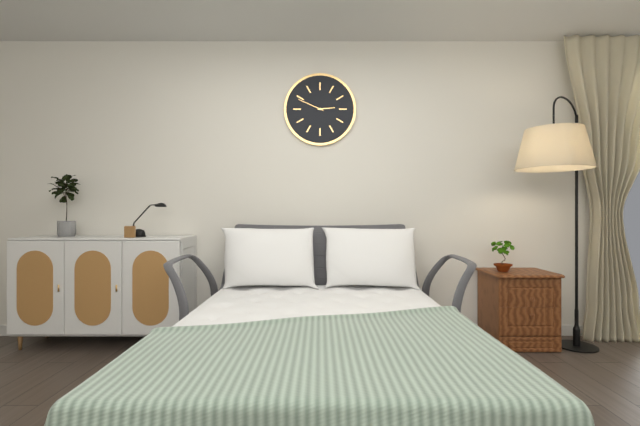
2:49
